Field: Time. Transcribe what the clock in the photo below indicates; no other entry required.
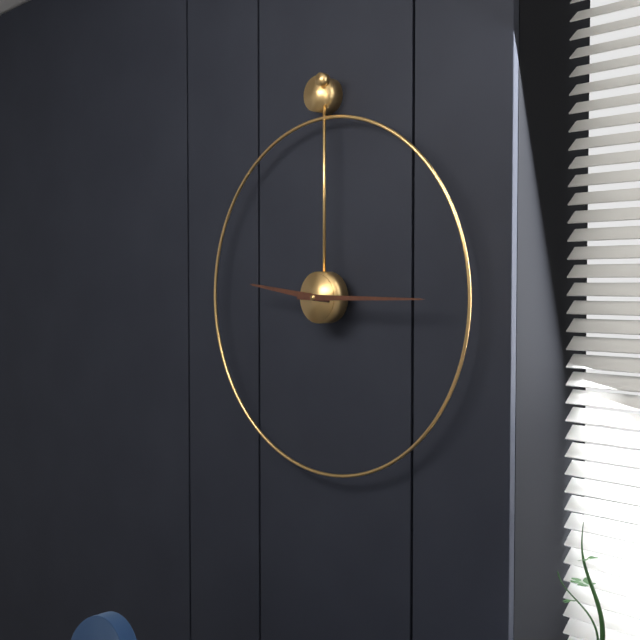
9:15
